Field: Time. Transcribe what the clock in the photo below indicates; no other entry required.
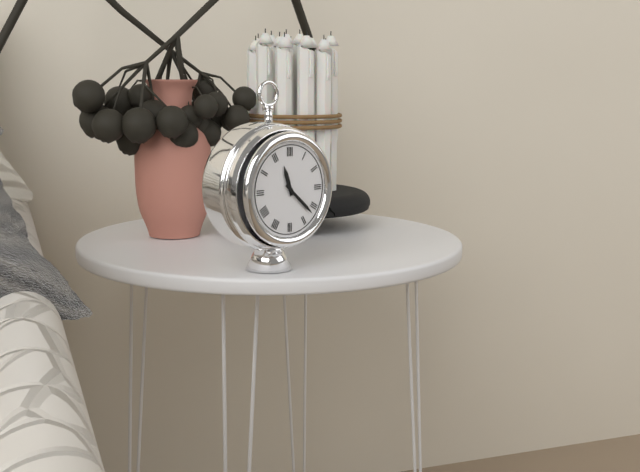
11:22
